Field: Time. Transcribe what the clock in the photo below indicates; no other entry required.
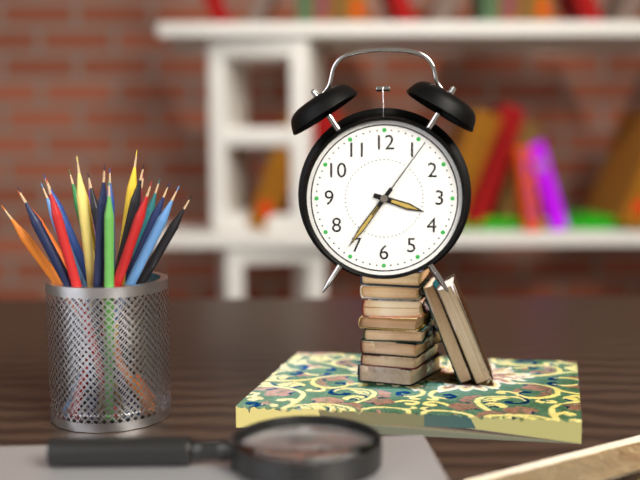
3:36:06
